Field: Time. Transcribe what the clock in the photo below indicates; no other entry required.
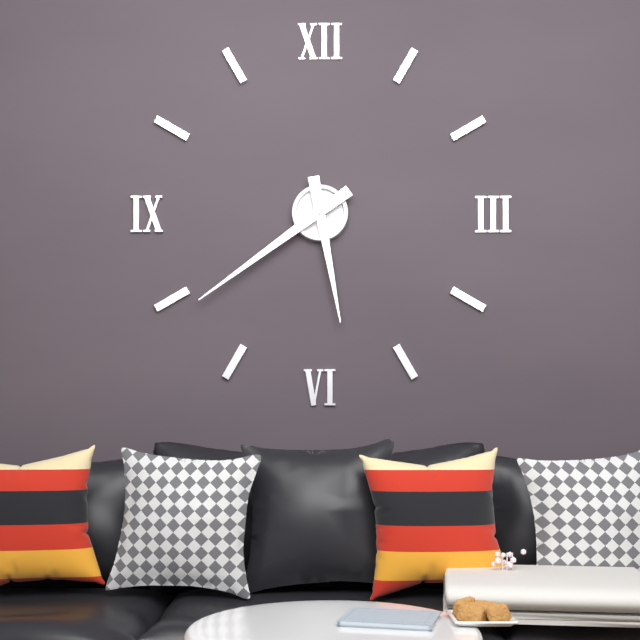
5:39
